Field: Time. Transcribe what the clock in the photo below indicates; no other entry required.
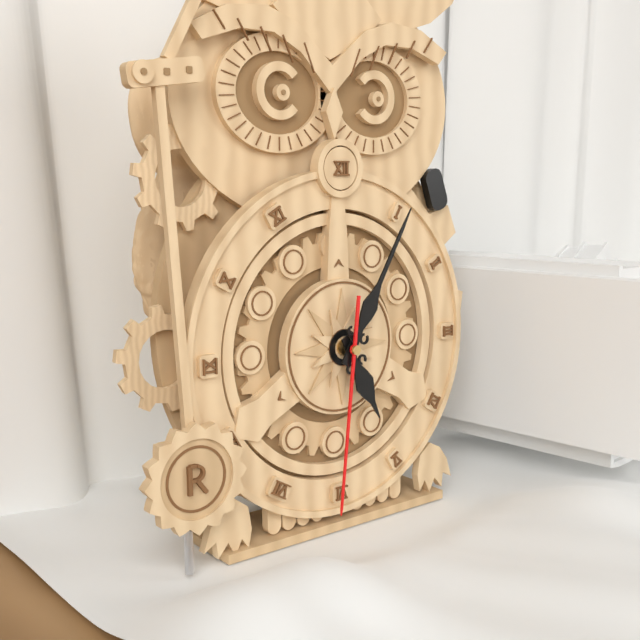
5:05:31
